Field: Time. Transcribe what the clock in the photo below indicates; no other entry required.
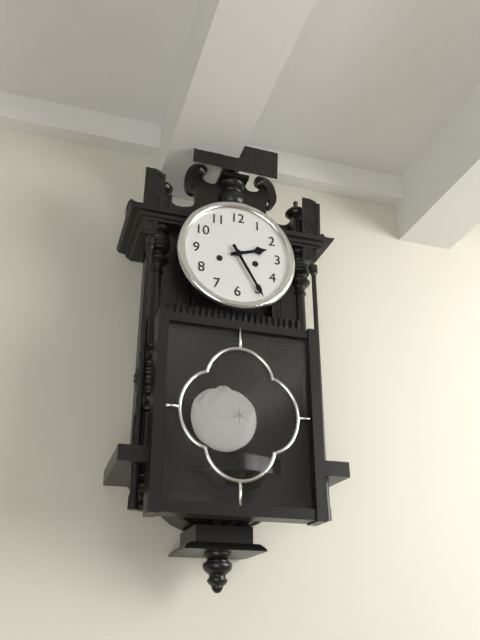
2:25
